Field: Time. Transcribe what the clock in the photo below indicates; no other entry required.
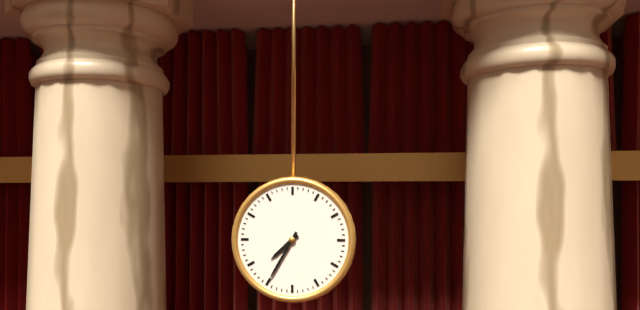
7:35
